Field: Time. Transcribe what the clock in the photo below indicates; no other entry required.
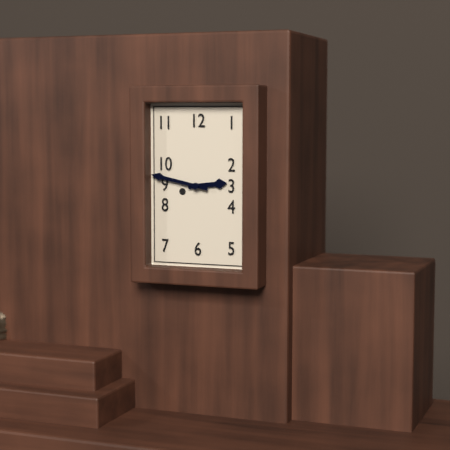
2:47
